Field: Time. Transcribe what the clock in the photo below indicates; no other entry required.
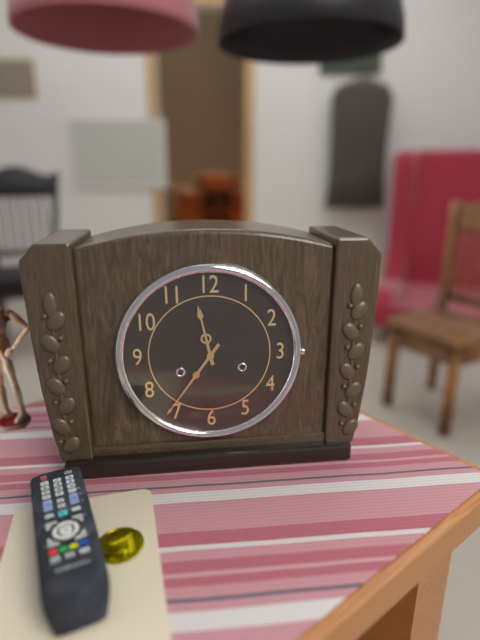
11:36
